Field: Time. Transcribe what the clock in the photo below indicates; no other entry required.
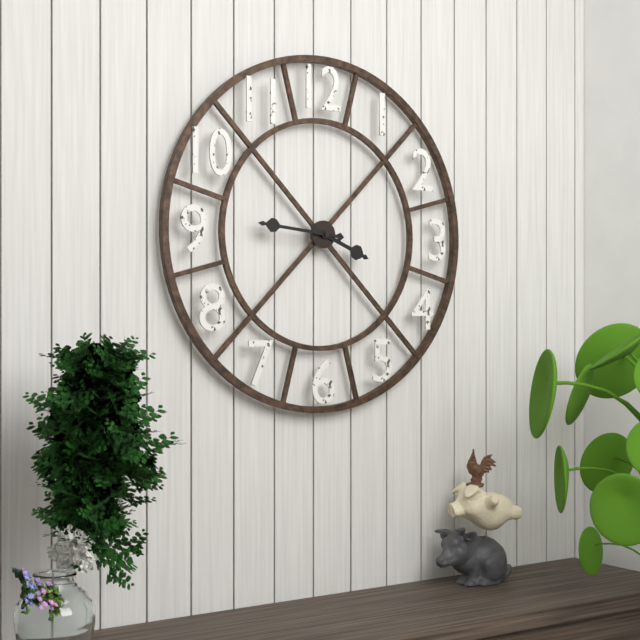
3:46
